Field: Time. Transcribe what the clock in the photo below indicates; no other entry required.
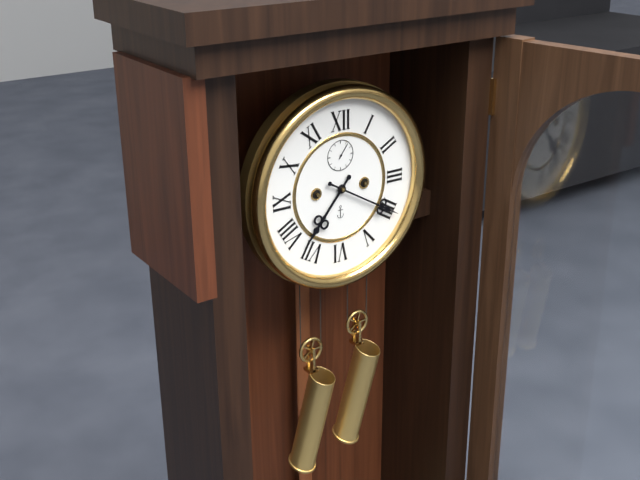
7:20
